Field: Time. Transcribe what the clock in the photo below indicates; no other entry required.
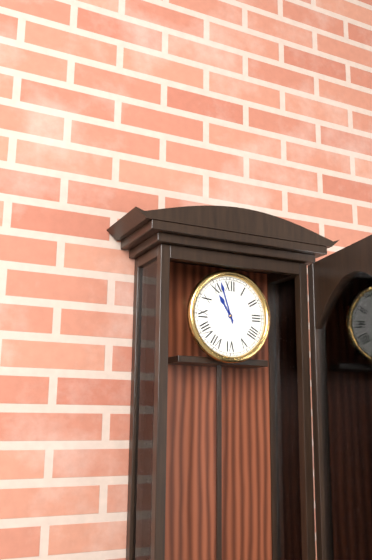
10:57
